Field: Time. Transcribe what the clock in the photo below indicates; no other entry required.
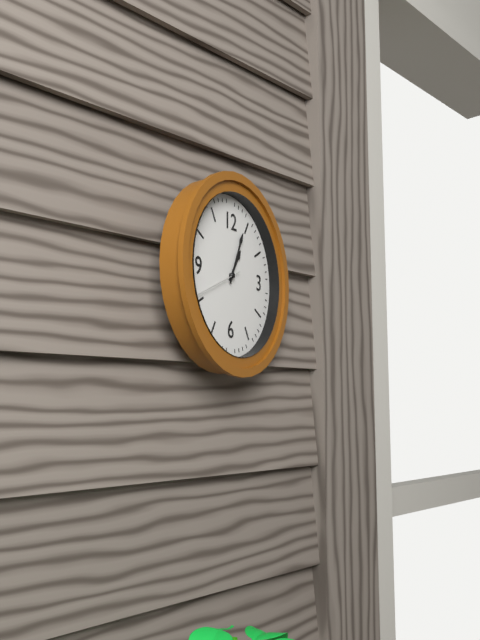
1:04
